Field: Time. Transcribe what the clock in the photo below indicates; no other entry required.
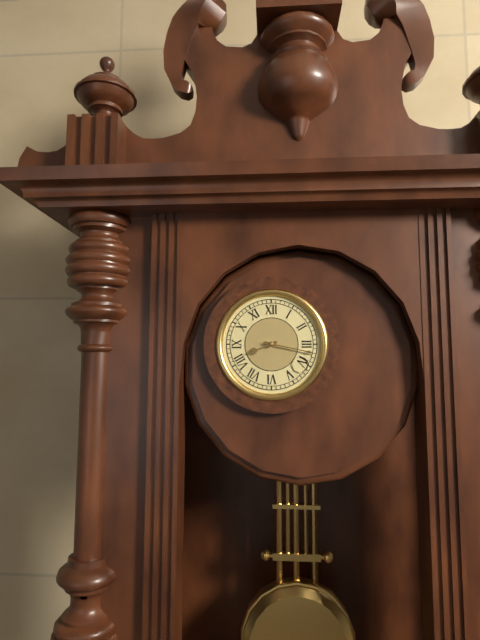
8:17
